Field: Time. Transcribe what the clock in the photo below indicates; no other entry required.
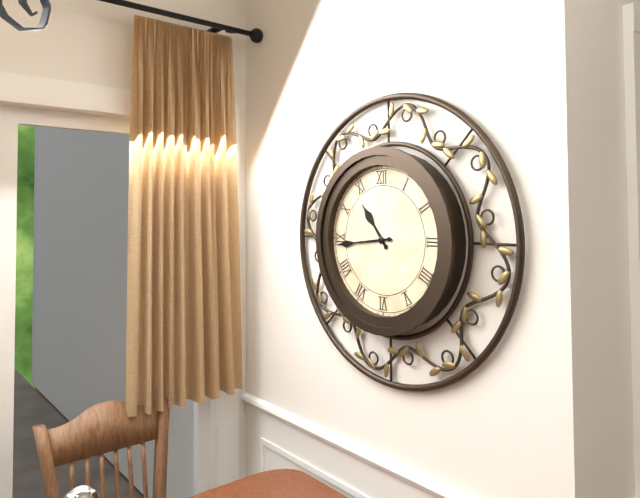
10:44
